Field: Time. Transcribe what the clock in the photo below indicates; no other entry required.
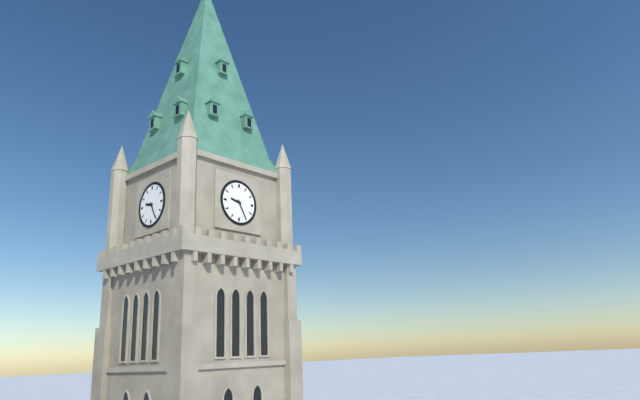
9:25
